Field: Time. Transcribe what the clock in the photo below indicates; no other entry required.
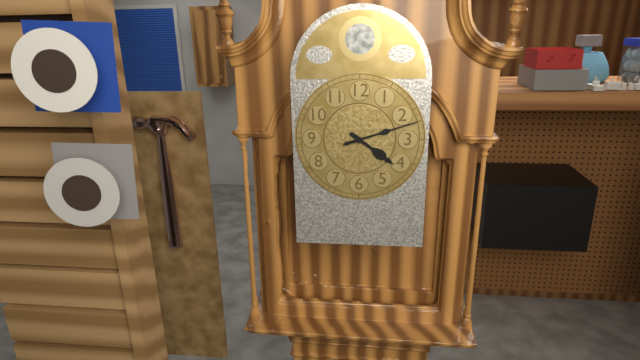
4:12
